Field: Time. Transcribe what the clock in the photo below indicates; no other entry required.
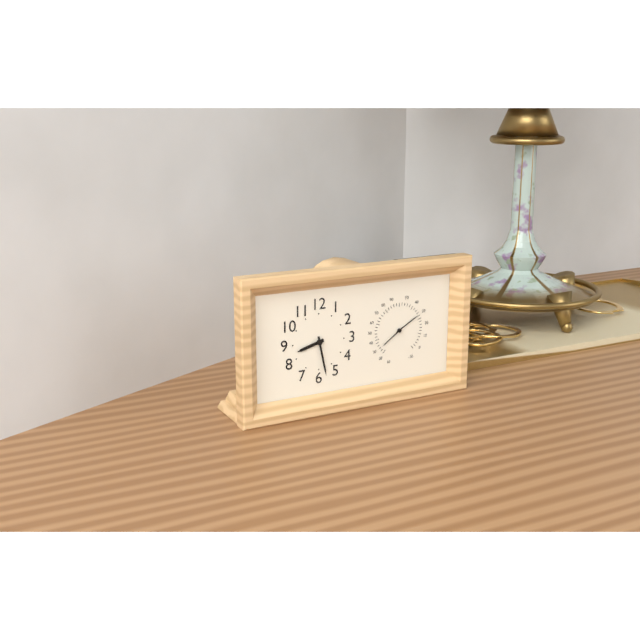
8:28
